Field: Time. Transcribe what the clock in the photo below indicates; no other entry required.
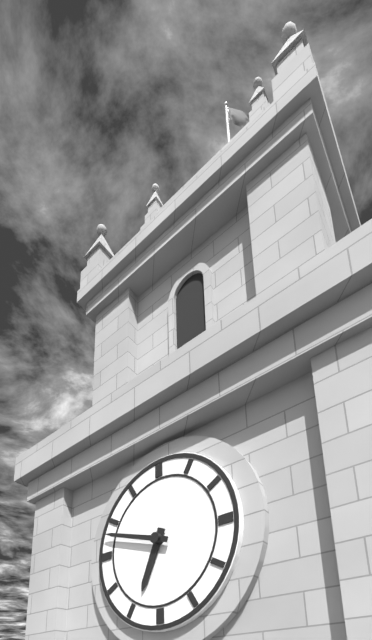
6:48
